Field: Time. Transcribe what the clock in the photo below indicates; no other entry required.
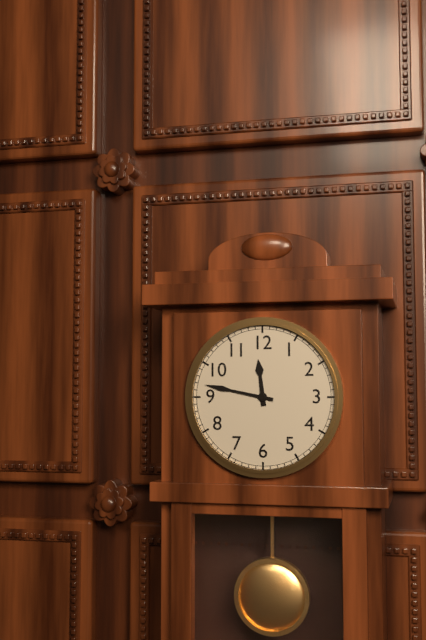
11:47
